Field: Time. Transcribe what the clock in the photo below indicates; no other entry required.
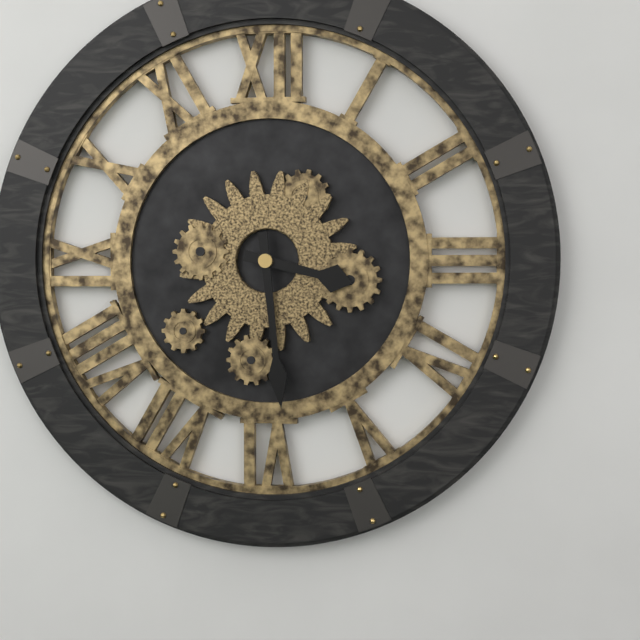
3:29
